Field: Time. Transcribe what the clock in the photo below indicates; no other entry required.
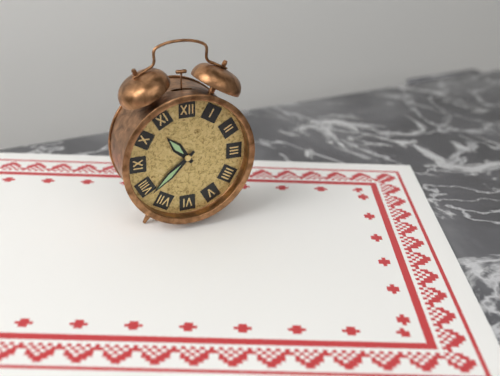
10:38
